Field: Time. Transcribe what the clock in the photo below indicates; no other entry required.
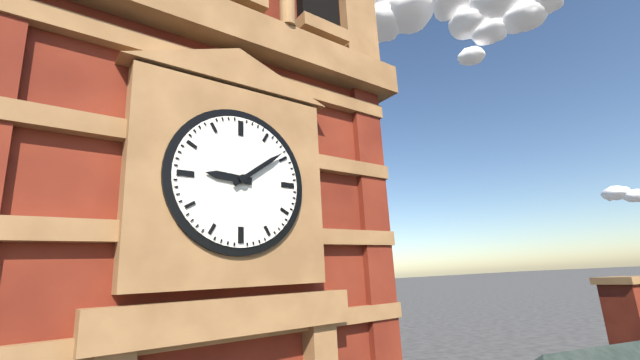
9:09
